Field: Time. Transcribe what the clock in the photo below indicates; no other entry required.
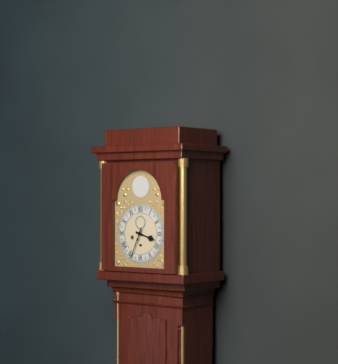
3:34
